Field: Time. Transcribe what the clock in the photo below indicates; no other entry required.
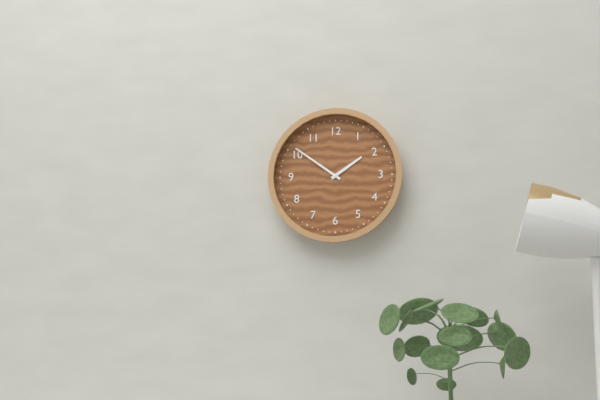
1:51
